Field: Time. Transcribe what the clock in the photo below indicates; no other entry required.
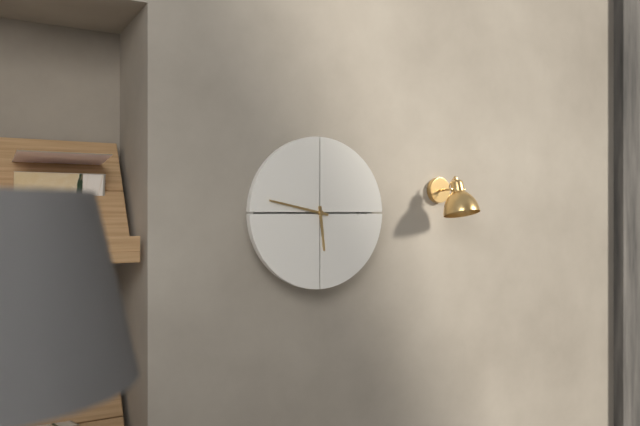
5:47
